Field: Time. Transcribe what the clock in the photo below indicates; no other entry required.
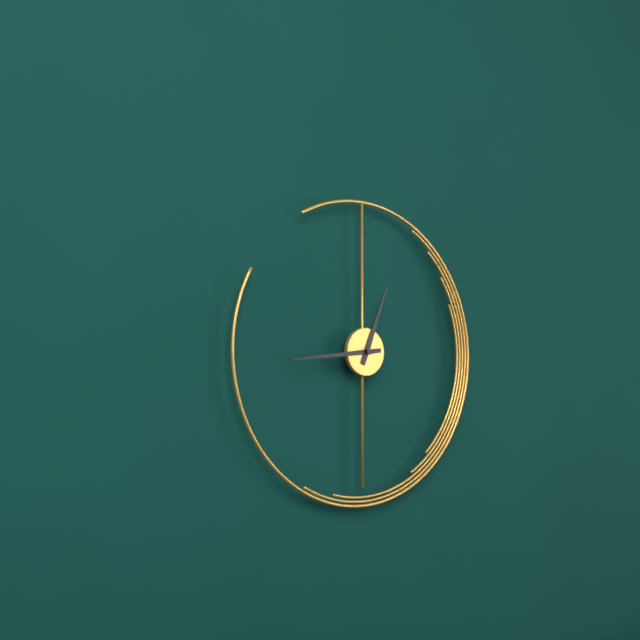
12:44
